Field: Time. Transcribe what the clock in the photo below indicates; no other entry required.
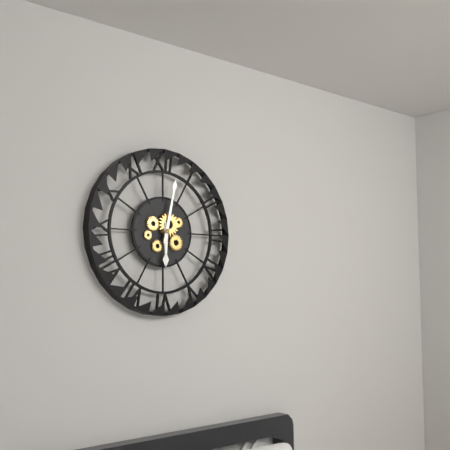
6:02
